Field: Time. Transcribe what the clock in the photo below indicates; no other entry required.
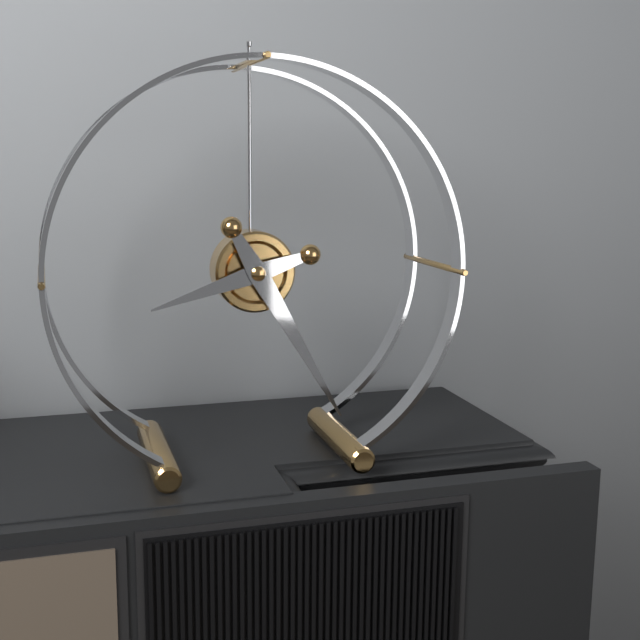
8:25
